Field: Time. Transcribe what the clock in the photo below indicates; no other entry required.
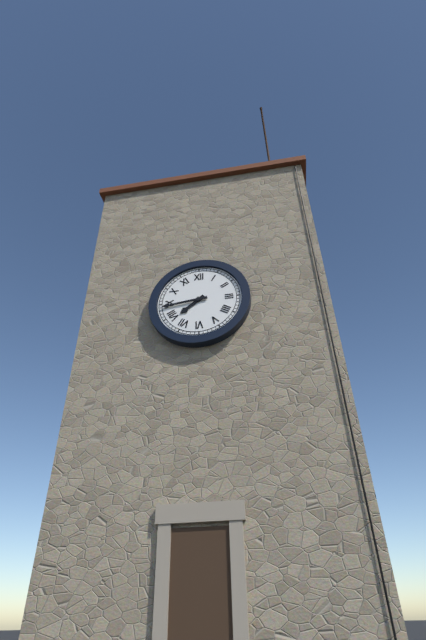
7:44
